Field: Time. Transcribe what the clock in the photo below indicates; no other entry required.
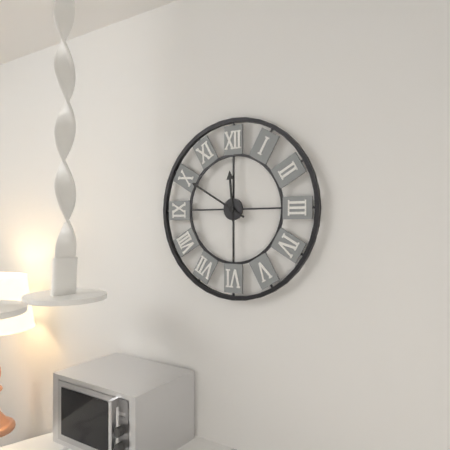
11:50
